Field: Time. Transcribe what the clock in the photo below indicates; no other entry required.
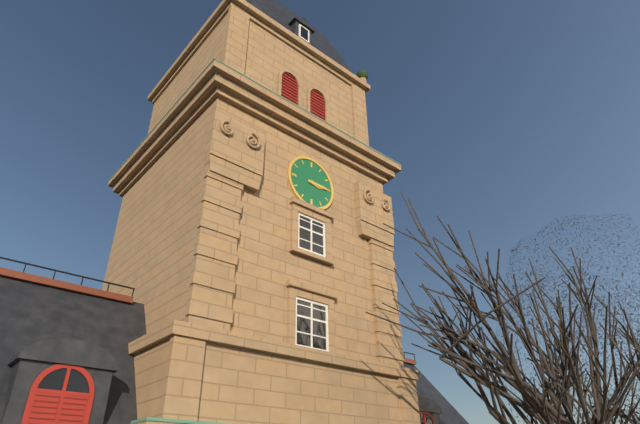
3:15
